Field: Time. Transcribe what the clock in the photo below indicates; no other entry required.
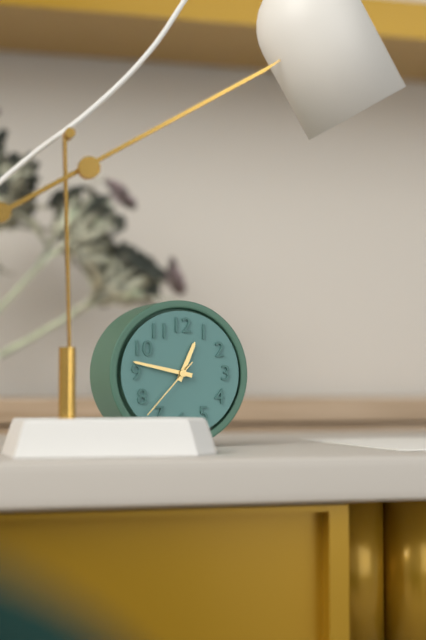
12:47:37
